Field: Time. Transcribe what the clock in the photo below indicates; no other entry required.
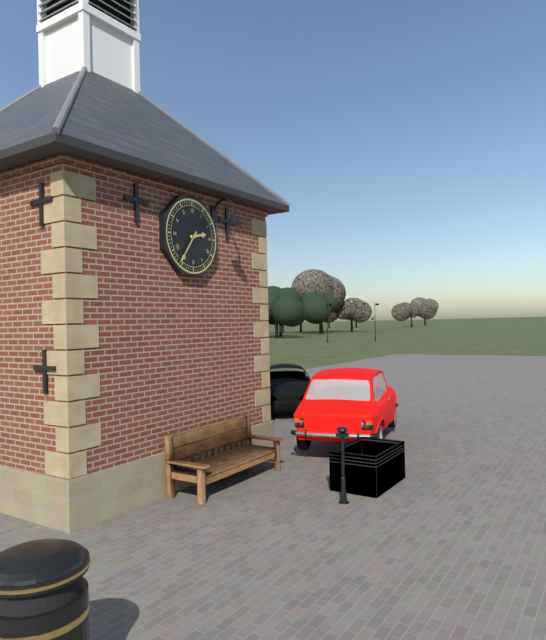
2:36
